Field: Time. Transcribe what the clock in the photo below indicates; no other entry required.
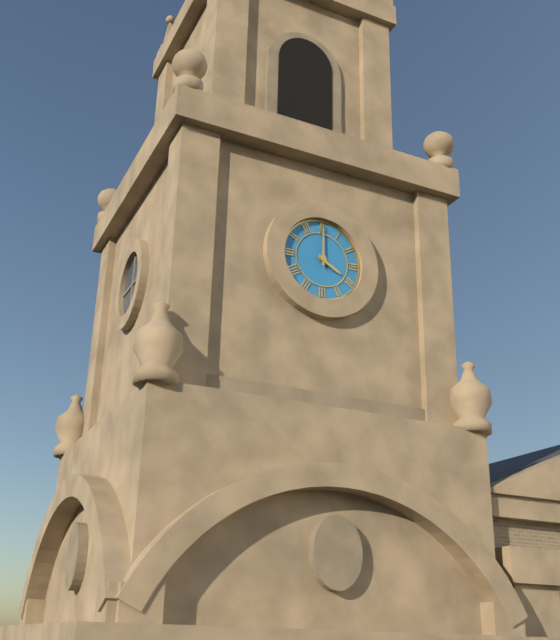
4:00
